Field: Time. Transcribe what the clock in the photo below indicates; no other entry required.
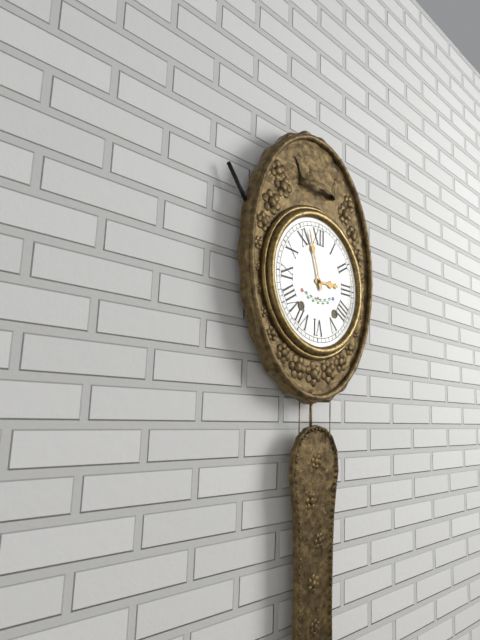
2:57
